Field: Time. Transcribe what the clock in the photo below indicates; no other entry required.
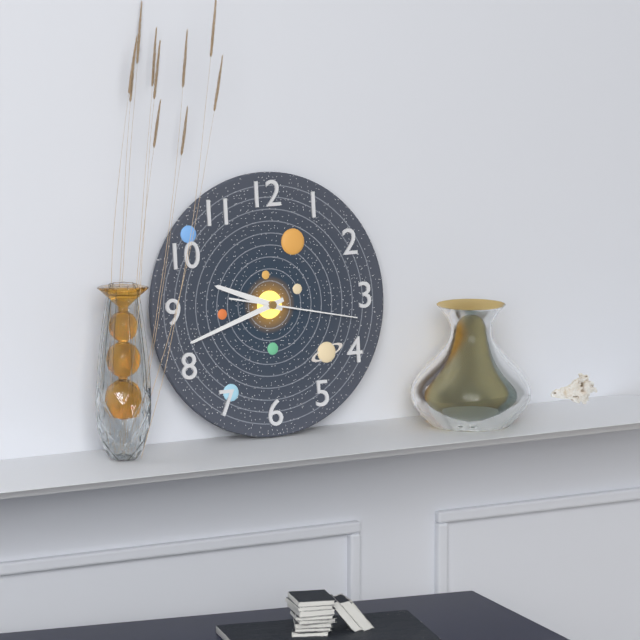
9:42:17
